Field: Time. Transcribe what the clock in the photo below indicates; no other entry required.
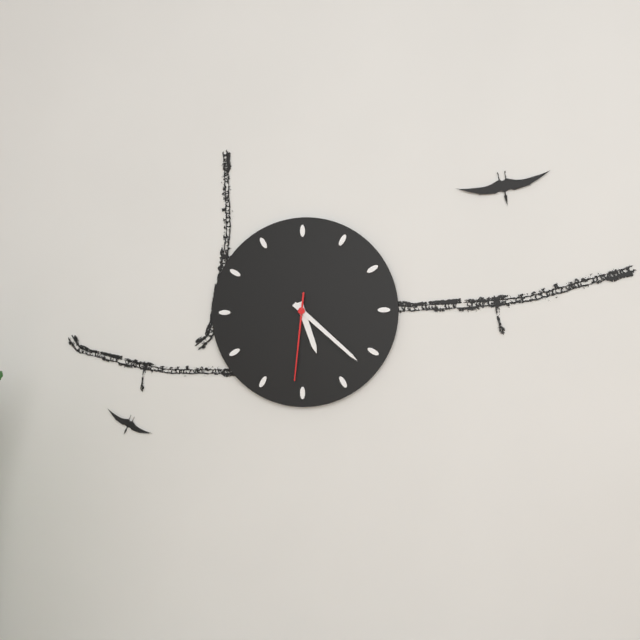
5:22:31
